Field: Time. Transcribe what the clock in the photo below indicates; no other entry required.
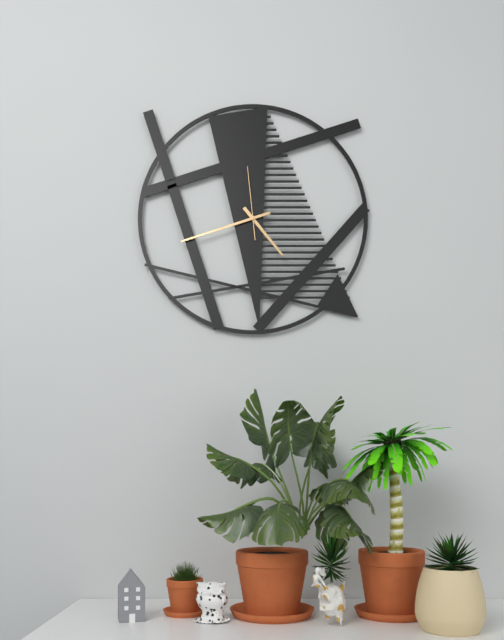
4:42:59
